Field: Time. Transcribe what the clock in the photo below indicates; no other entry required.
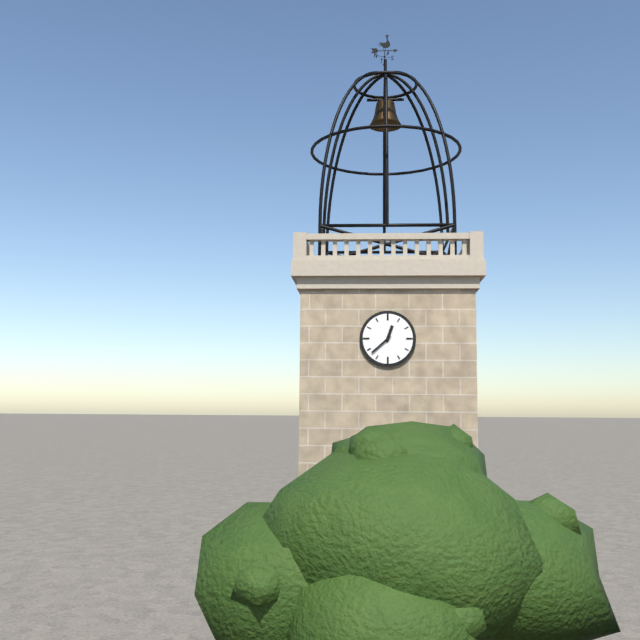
12:38
